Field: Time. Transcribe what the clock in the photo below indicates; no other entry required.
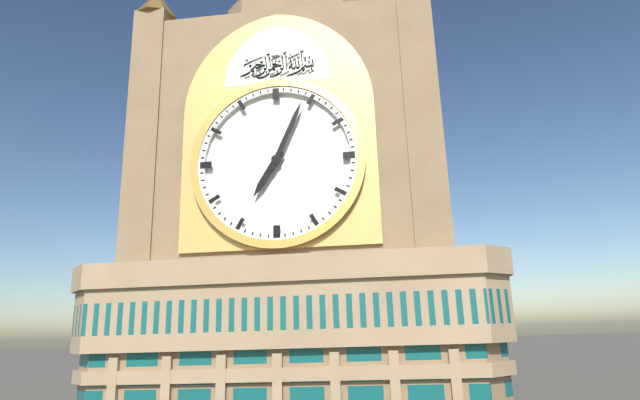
7:04
